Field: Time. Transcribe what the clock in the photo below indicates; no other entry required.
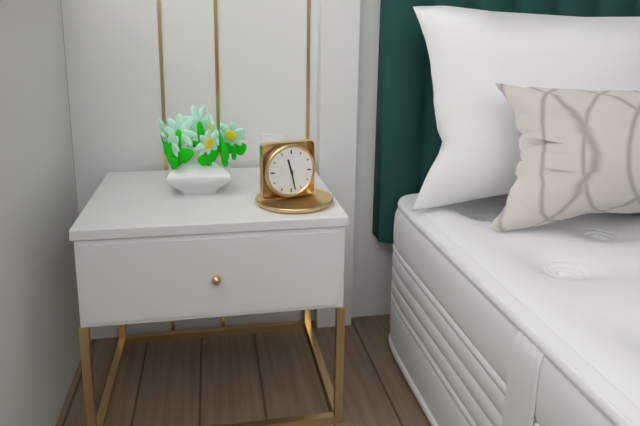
11:28
